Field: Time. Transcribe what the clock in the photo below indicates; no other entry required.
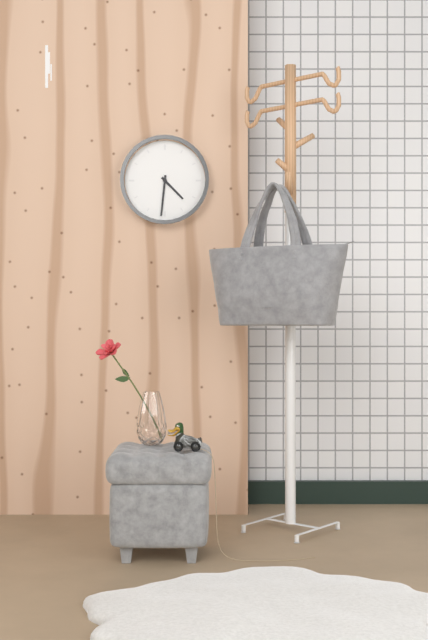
4:31
